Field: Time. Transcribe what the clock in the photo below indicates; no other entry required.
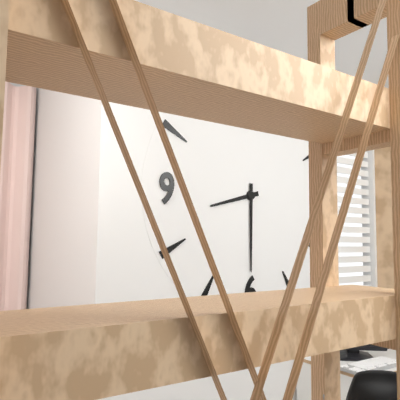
8:30
